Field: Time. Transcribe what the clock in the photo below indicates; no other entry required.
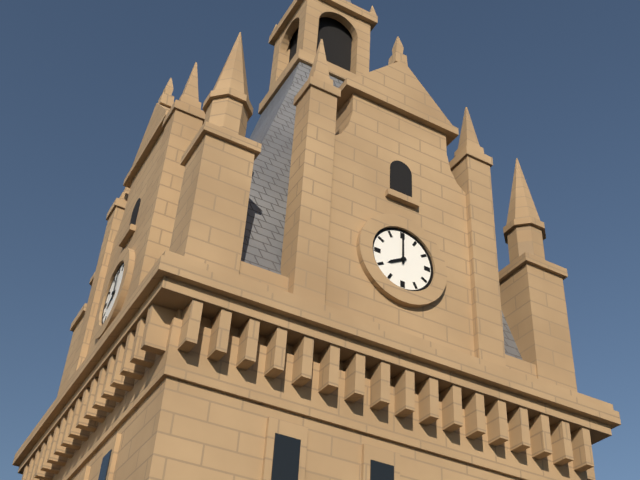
8:00
